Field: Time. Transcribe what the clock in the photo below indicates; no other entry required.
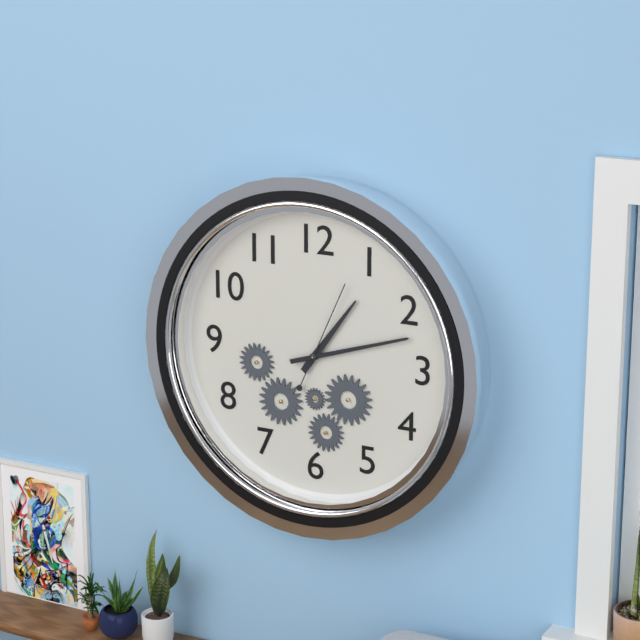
1:12:04
